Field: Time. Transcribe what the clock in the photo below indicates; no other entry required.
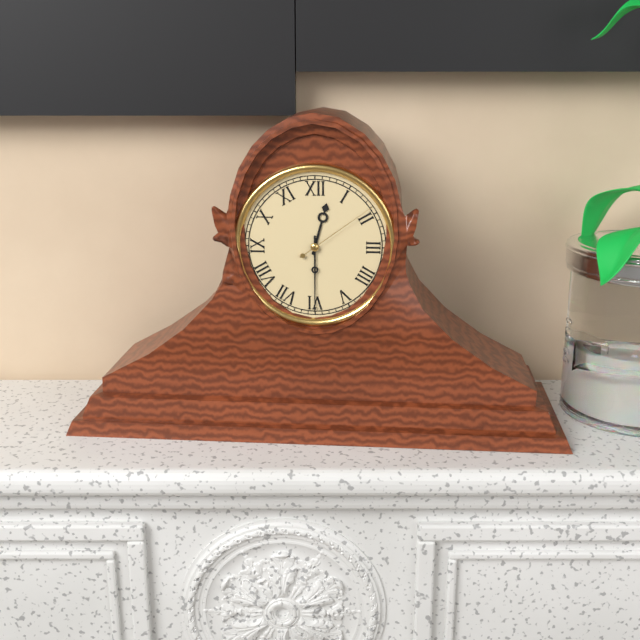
12:30:09
